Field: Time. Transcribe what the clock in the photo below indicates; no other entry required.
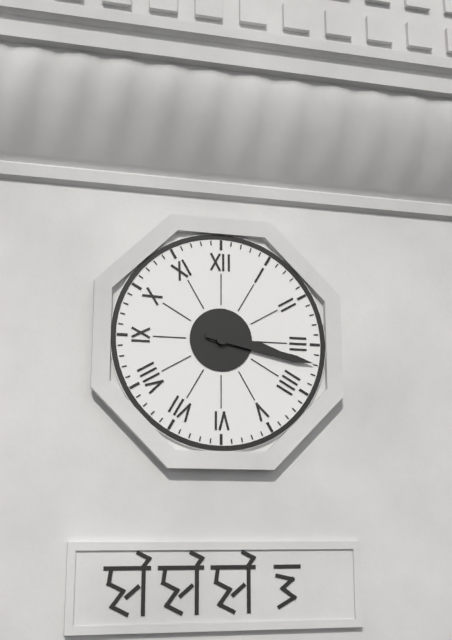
3:17
